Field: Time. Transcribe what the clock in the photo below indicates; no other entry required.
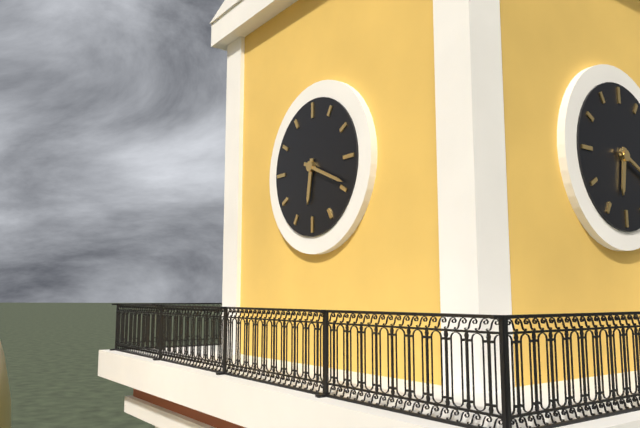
6:19
